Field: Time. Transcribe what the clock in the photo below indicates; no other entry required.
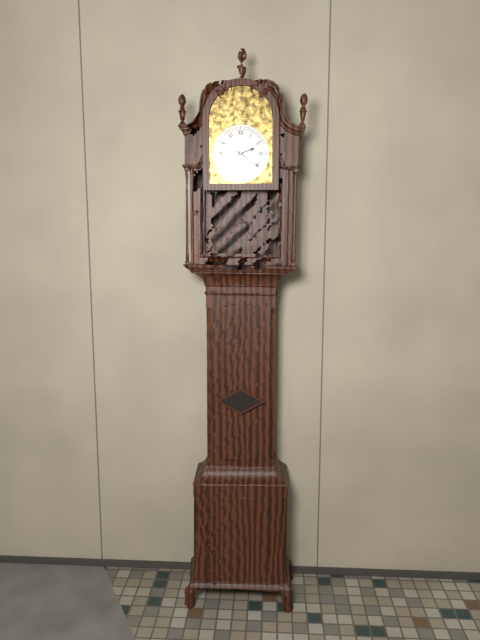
2:21
